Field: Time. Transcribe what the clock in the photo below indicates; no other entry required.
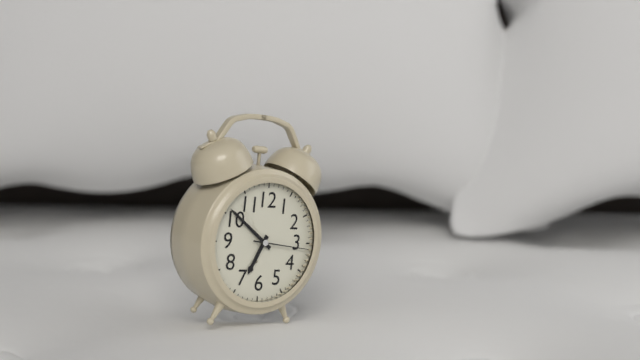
6:51:16
